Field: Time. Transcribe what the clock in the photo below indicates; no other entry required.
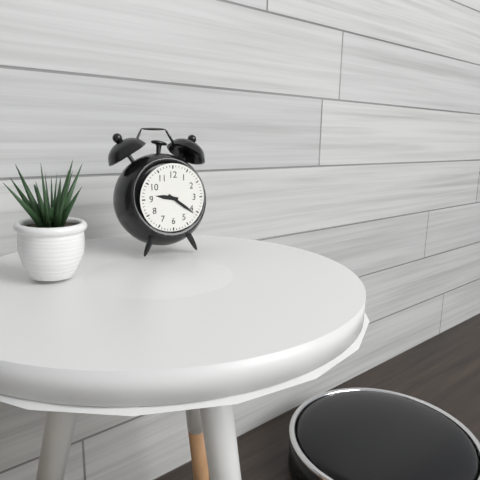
9:21
